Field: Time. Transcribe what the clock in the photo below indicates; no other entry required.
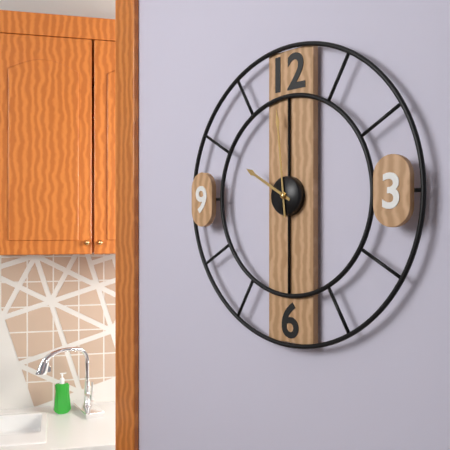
9:59
